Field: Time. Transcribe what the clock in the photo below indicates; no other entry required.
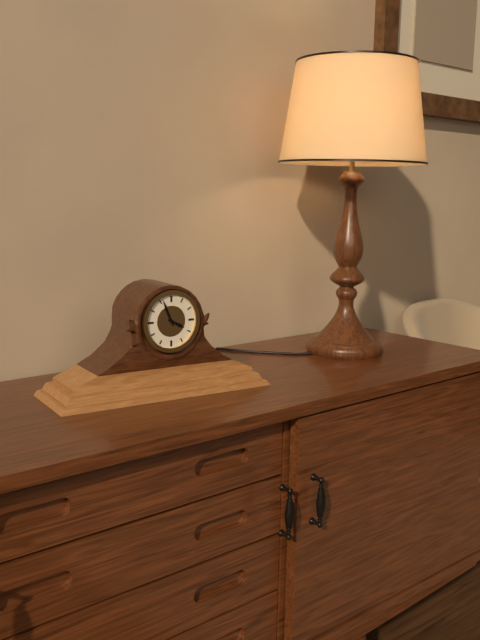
3:56
